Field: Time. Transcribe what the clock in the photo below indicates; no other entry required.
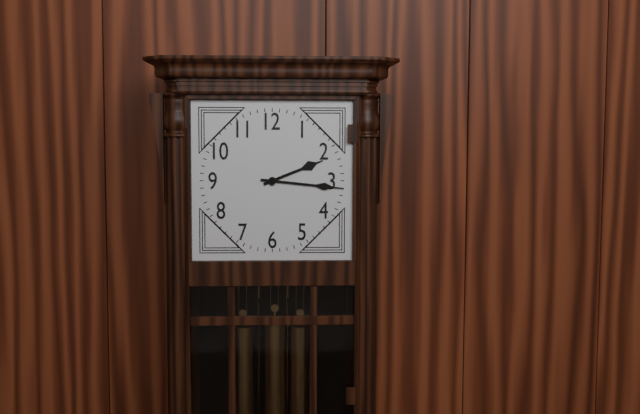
2:16
